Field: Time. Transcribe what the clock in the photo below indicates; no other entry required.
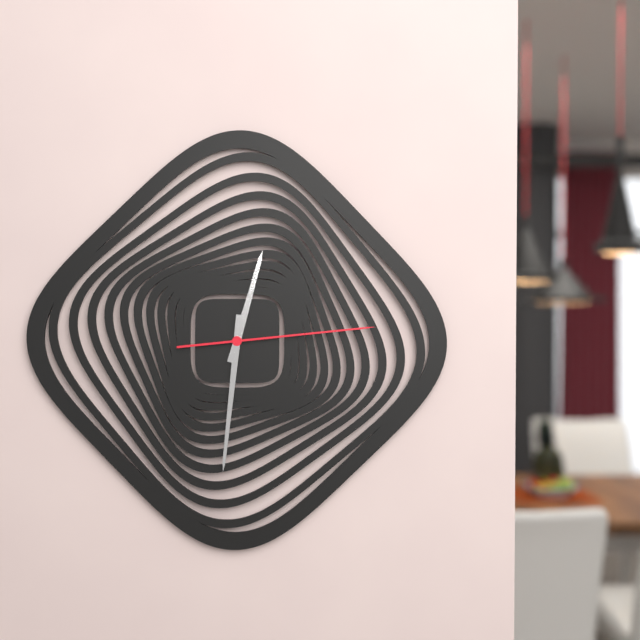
12:31:14
